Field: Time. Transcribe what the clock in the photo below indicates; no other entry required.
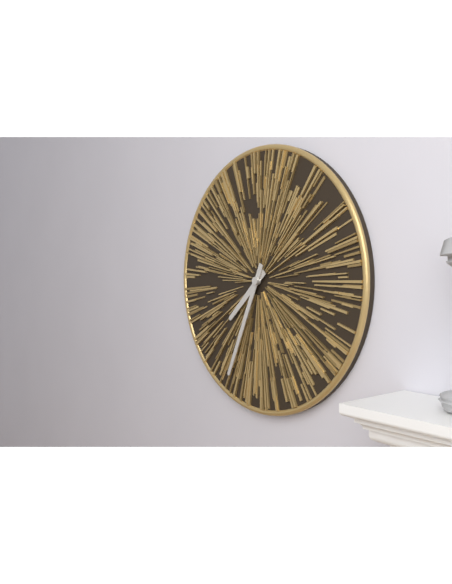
7:34
